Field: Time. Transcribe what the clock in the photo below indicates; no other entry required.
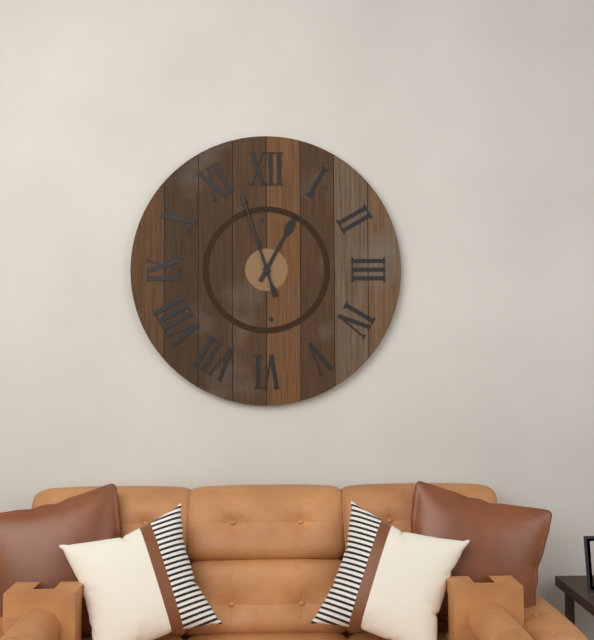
12:57
